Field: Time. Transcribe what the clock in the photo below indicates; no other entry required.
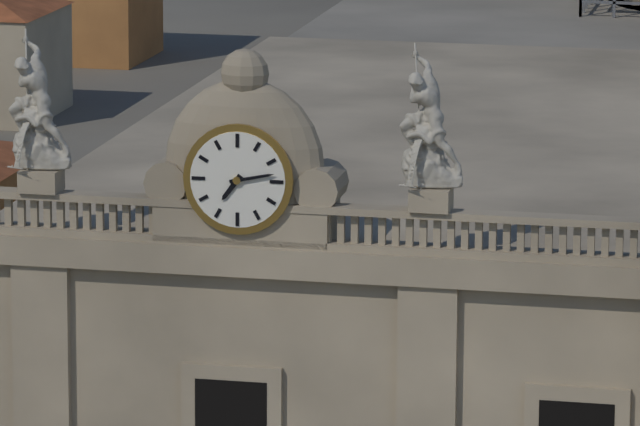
7:13
